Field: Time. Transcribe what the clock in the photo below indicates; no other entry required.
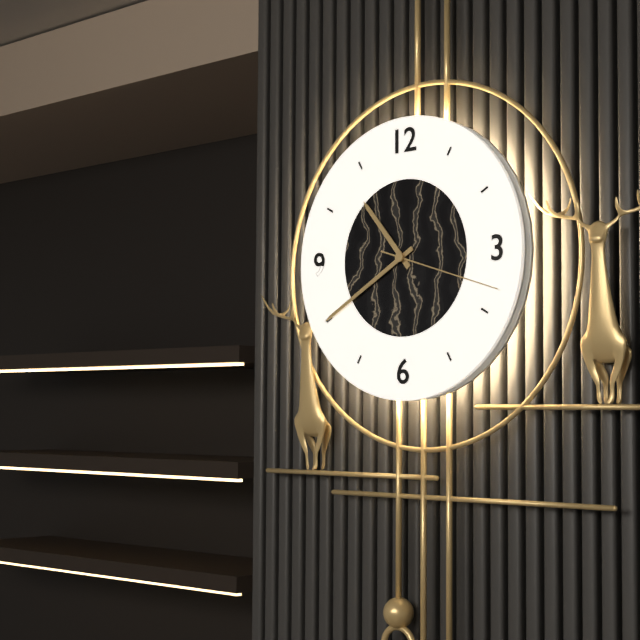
10:40:18
